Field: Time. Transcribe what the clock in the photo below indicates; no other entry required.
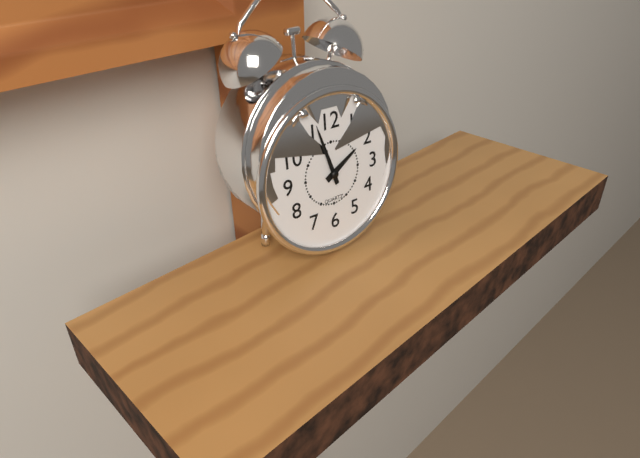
1:57
